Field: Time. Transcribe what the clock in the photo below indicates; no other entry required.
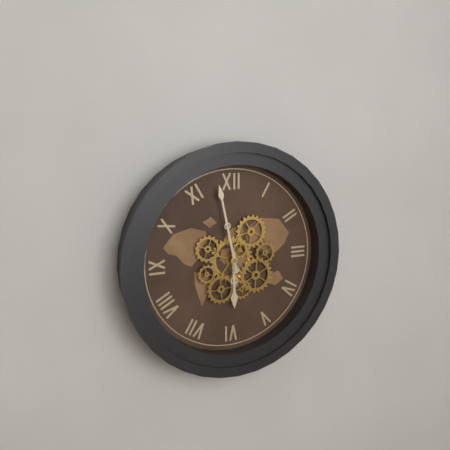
5:58
